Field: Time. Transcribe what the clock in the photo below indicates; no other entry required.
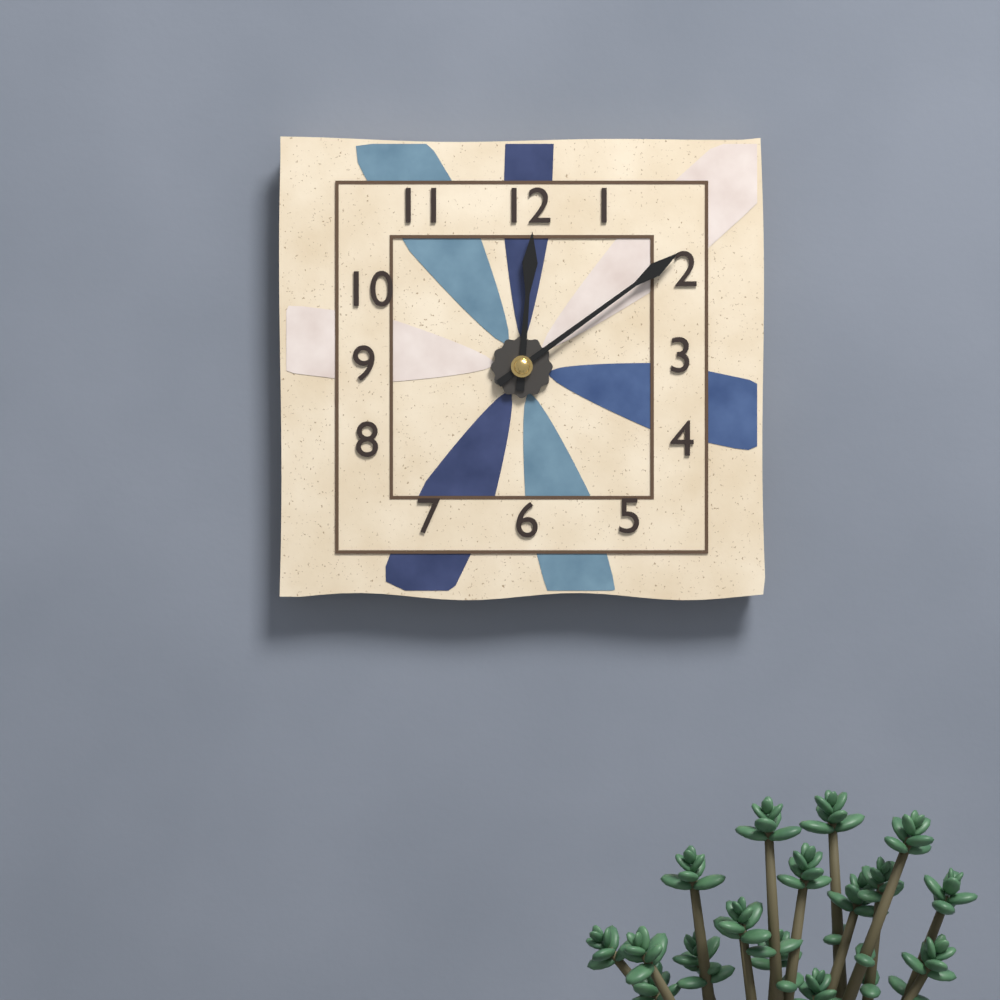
12:09
